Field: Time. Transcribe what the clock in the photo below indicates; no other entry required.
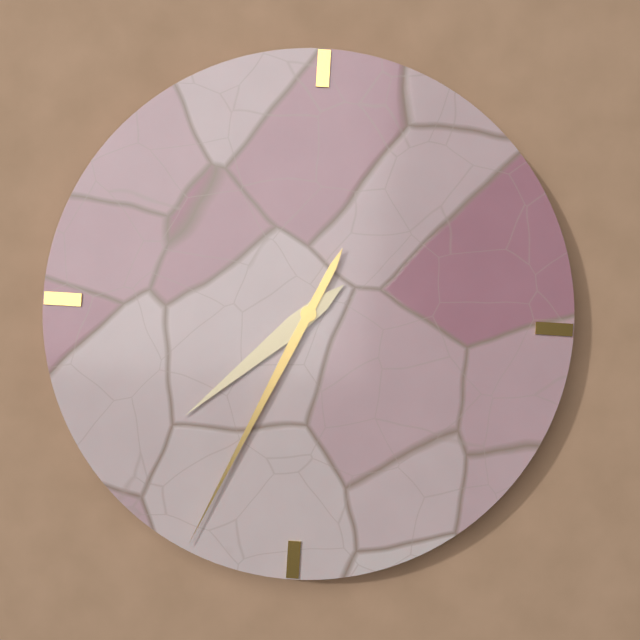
7:34
